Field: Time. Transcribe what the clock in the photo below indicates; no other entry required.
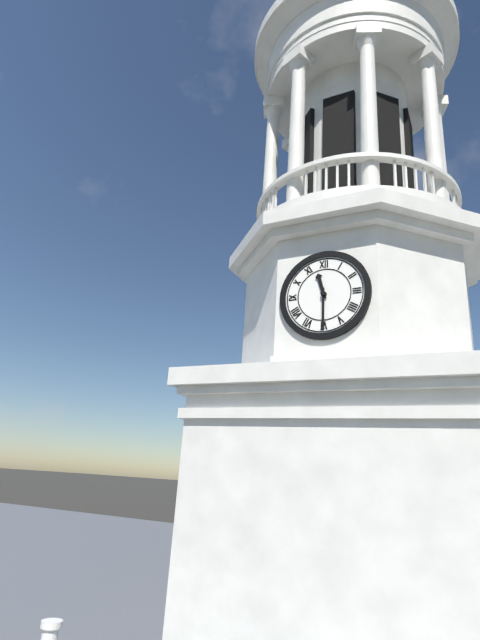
11:30
